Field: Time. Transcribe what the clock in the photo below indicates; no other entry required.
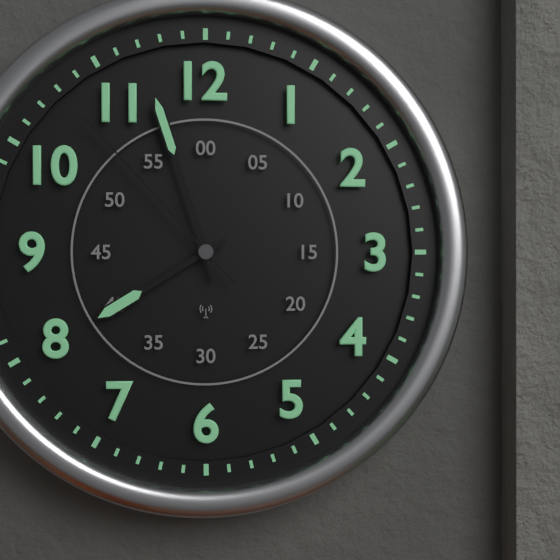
7:57:53
